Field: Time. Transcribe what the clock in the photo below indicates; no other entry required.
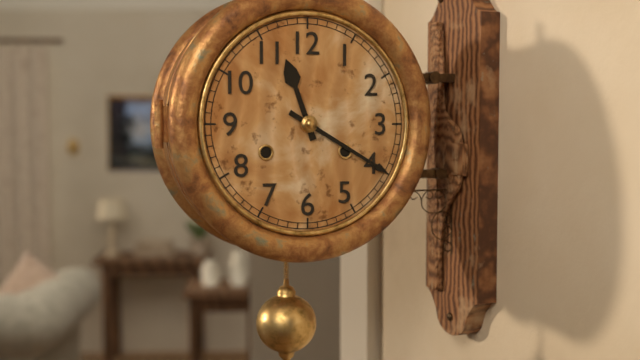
11:20
